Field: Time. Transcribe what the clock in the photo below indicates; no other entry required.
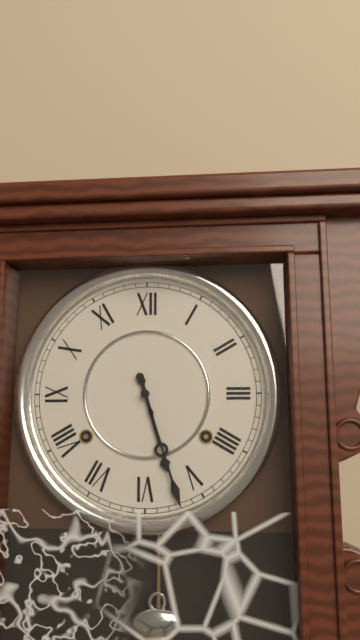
5:27
